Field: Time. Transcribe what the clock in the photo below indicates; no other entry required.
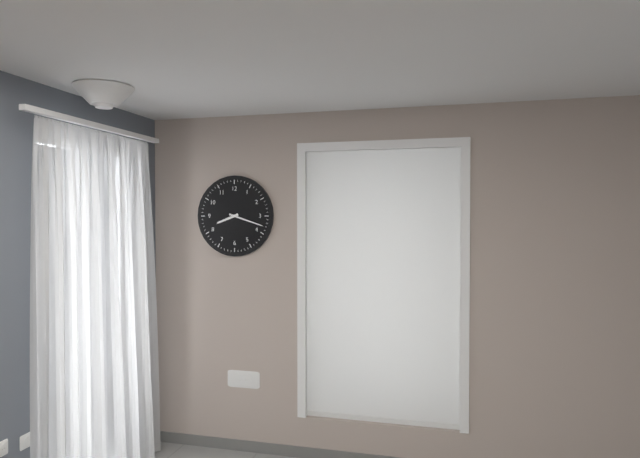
8:18
